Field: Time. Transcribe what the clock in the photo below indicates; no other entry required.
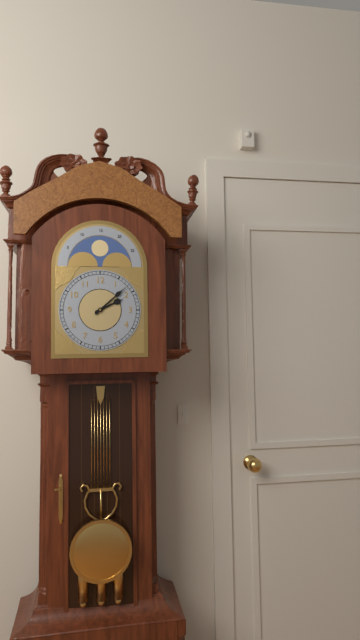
2:08
